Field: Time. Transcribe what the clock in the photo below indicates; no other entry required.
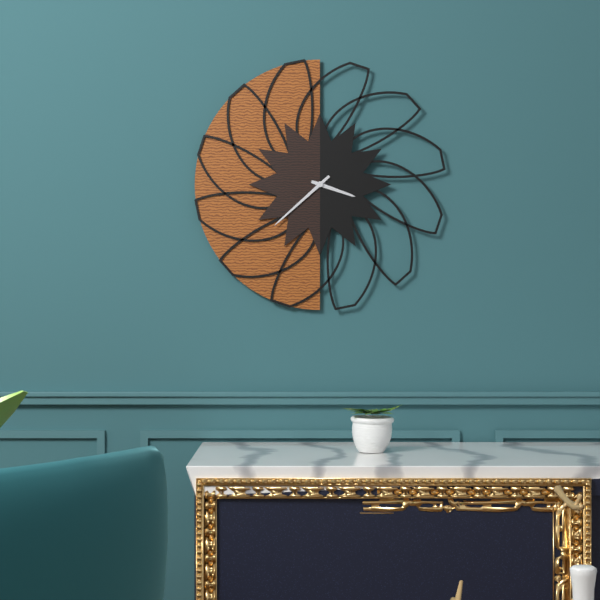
3:38
